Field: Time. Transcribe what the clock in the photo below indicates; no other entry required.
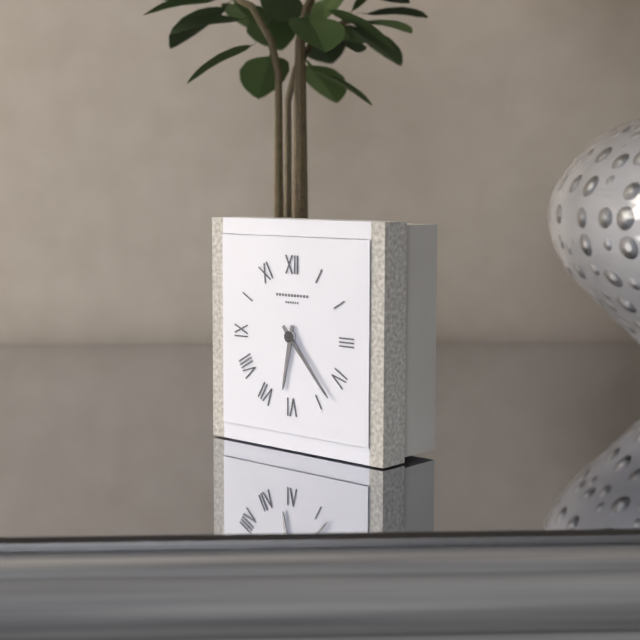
6:23
